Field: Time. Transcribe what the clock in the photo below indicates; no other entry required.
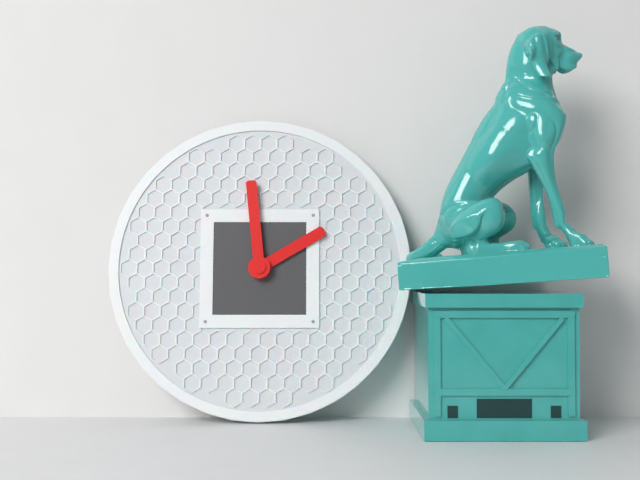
1:59
